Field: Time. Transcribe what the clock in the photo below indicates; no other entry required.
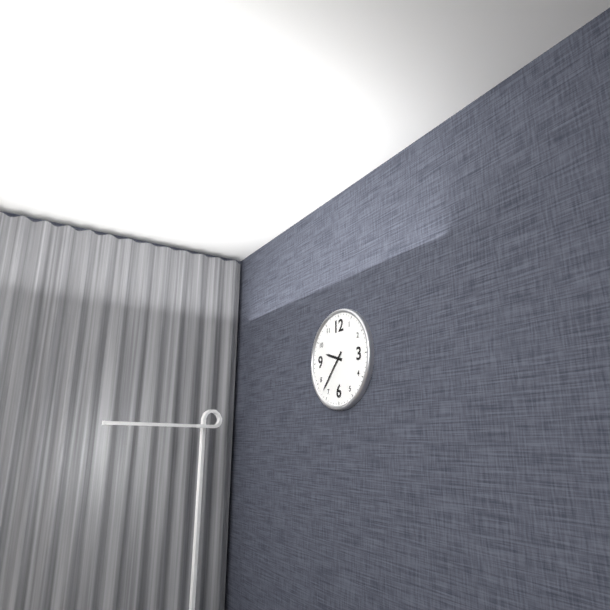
9:37
